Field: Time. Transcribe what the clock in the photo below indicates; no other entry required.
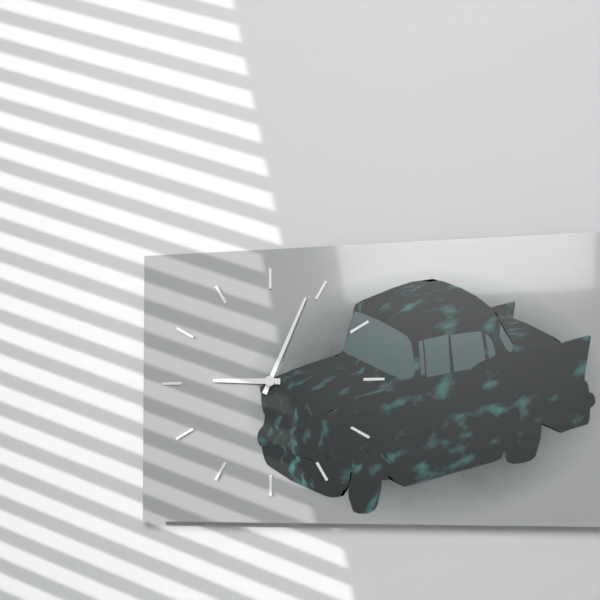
9:04
